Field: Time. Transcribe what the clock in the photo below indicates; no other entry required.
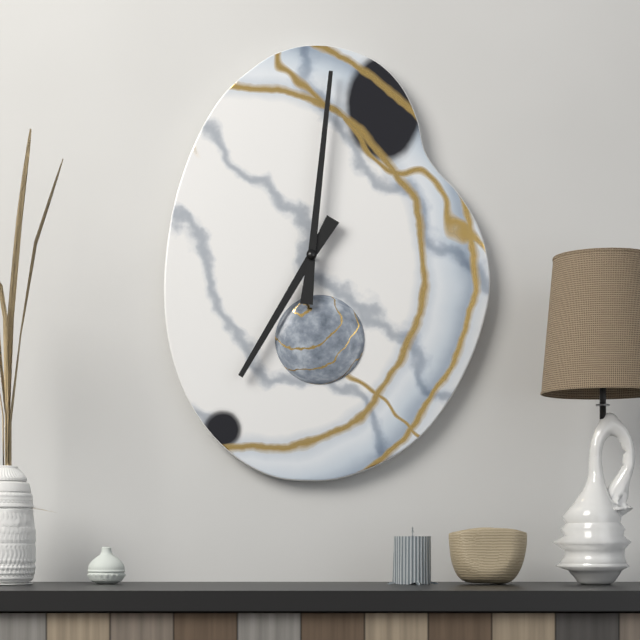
7:01
